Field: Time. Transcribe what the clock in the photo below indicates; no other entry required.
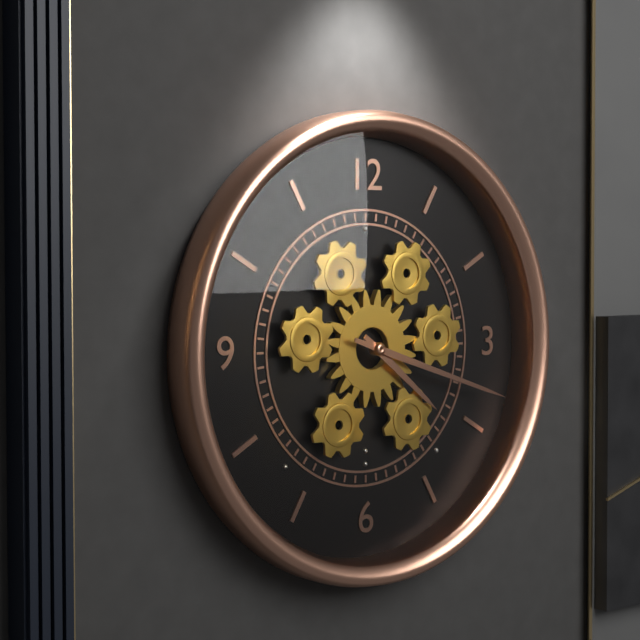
4:18
